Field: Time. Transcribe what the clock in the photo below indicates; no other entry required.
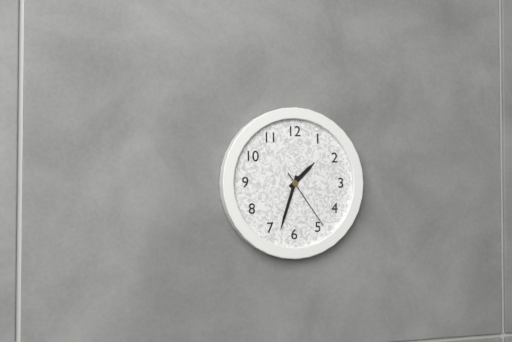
1:33:24
